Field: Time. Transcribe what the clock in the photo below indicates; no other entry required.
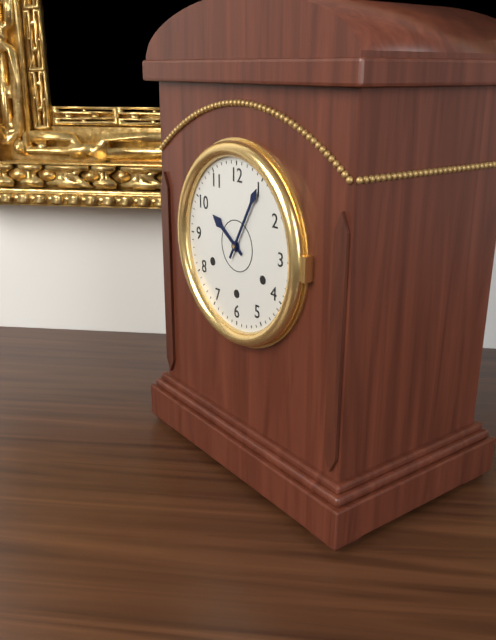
10:05
